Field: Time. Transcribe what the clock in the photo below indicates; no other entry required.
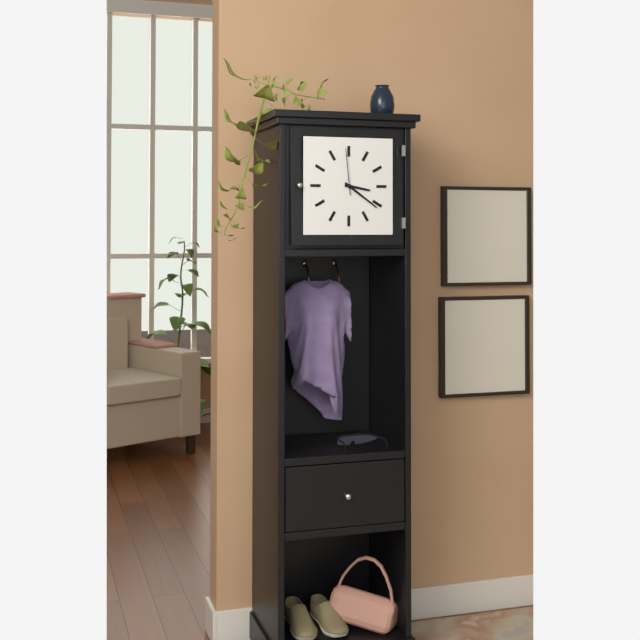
3:21
